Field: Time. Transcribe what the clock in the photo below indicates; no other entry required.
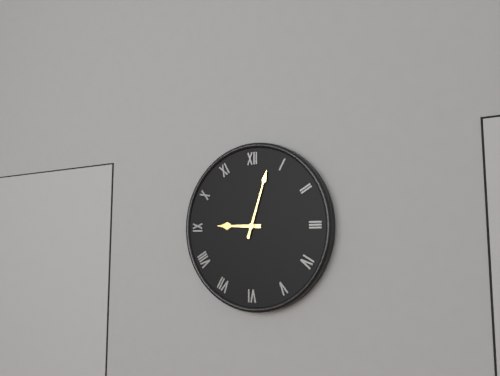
9:03
